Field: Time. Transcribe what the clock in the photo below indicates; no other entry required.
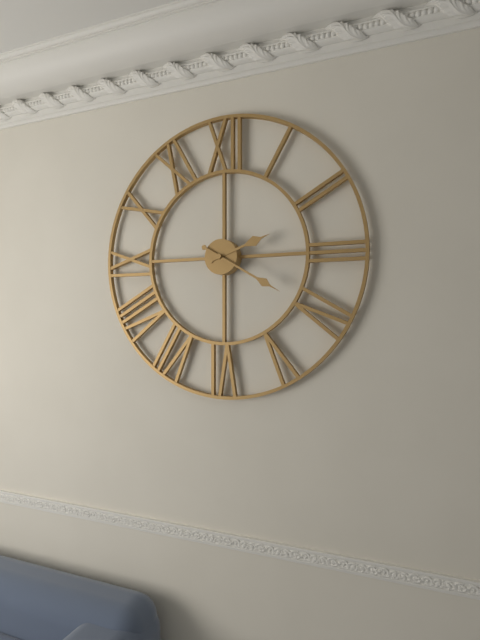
2:20
